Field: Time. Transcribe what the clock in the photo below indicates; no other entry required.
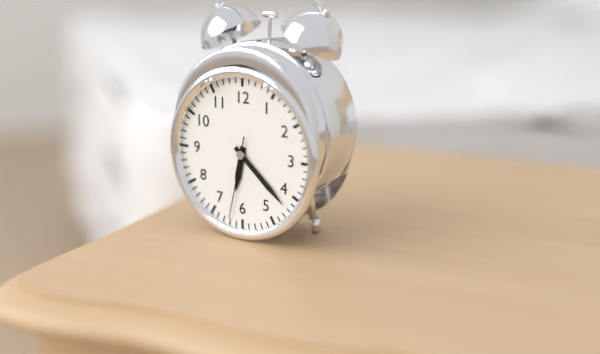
6:22:32
